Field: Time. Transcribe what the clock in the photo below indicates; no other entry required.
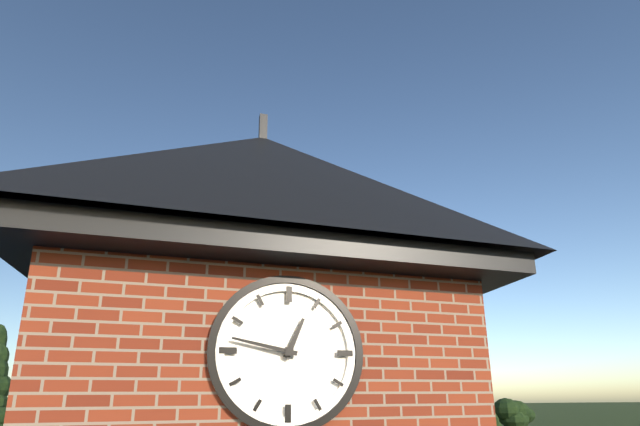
12:47
